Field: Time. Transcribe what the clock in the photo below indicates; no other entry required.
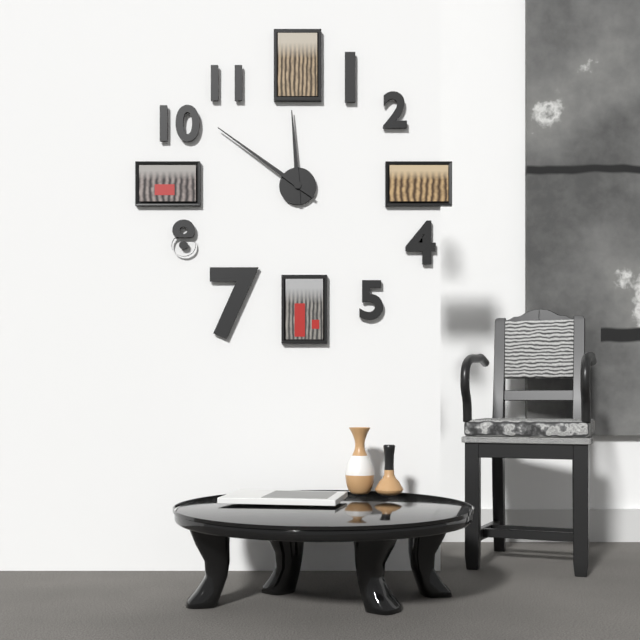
11:51
